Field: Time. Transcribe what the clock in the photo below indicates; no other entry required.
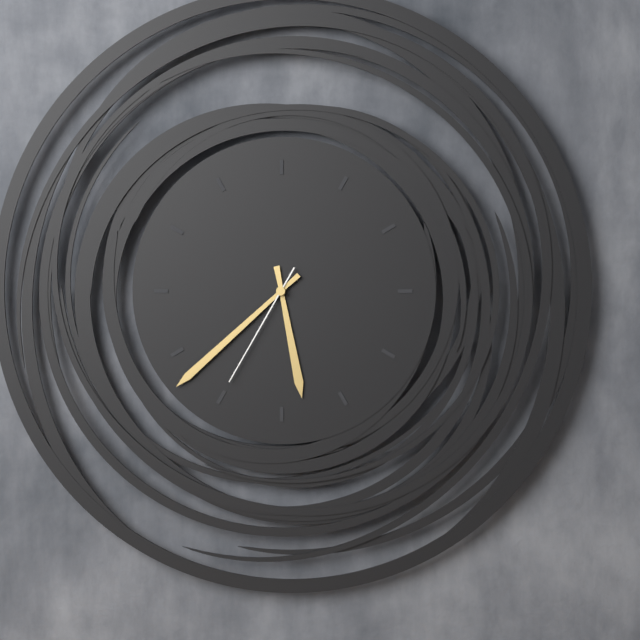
5:38:35
